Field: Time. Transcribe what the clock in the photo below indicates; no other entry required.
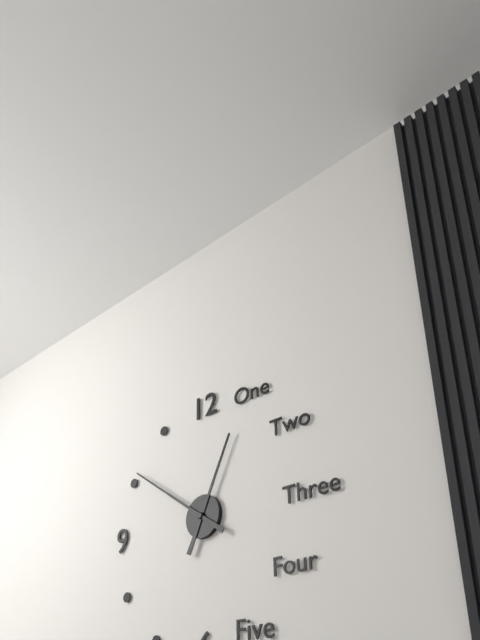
12:51
